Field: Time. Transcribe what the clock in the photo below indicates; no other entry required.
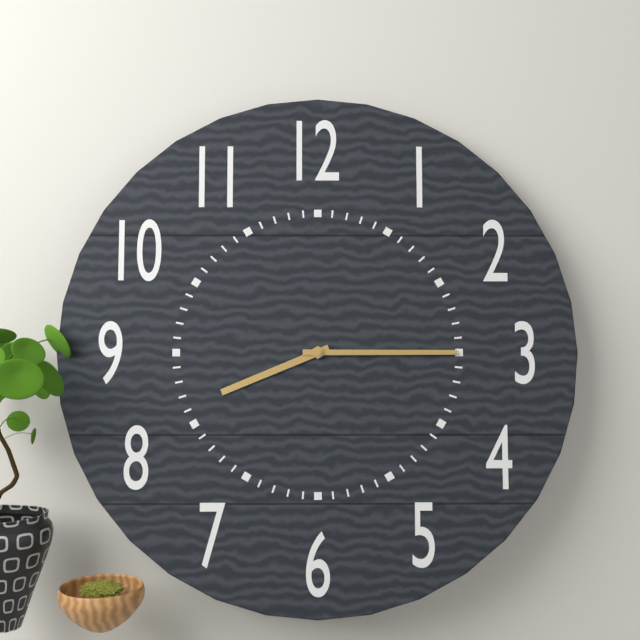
8:15
